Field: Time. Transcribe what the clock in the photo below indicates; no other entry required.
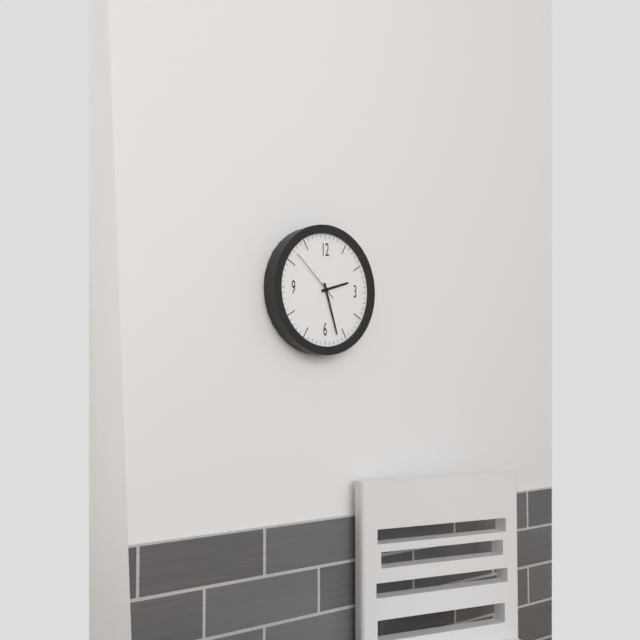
2:27:52
